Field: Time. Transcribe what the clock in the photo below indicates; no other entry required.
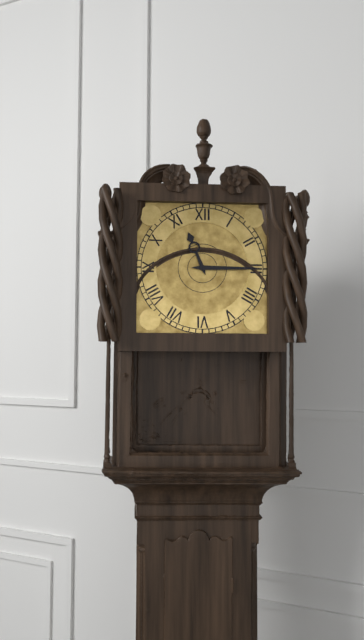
11:15
